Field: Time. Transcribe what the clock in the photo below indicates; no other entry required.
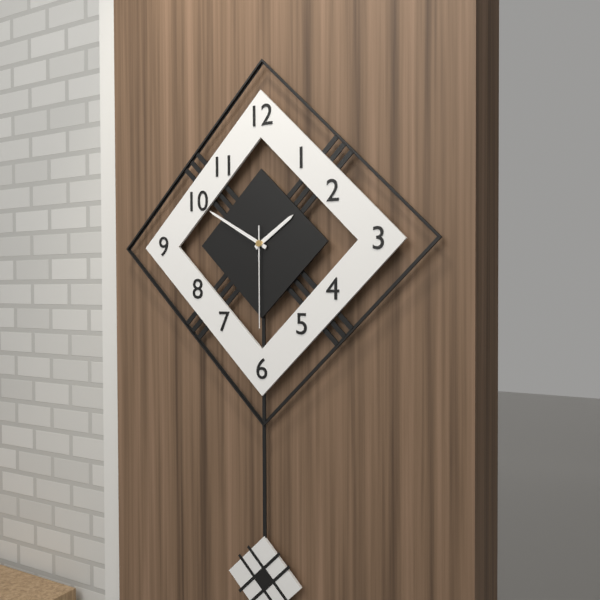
1:50:30
